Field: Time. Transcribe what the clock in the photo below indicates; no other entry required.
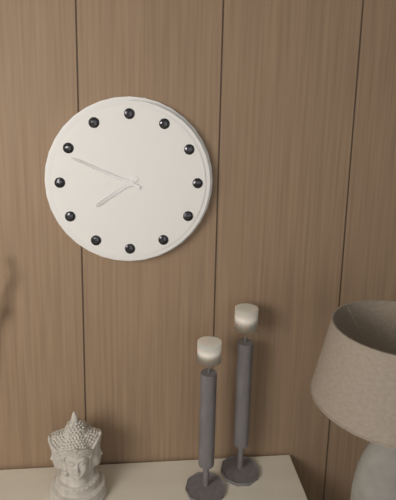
7:49
